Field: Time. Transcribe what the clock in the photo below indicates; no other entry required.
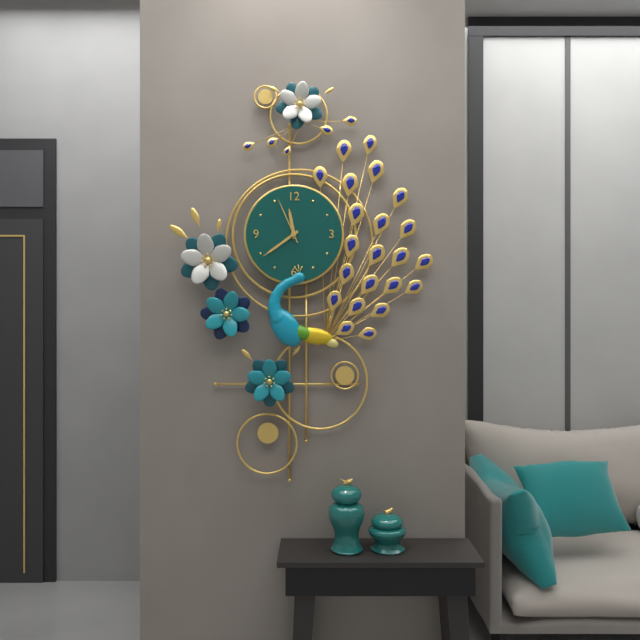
11:39:56
